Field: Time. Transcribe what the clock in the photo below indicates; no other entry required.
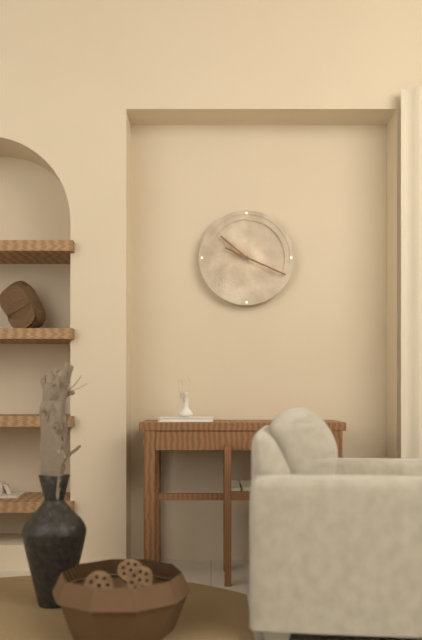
10:19
